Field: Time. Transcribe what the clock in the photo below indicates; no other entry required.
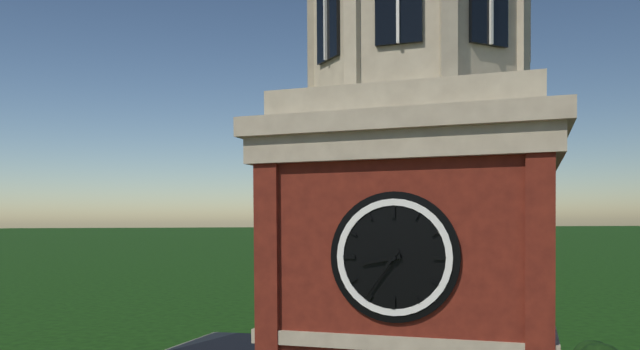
8:36
